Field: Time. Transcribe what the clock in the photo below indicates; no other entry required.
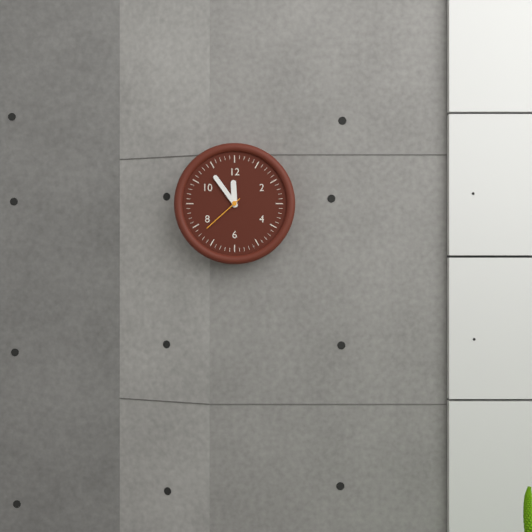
11:54
